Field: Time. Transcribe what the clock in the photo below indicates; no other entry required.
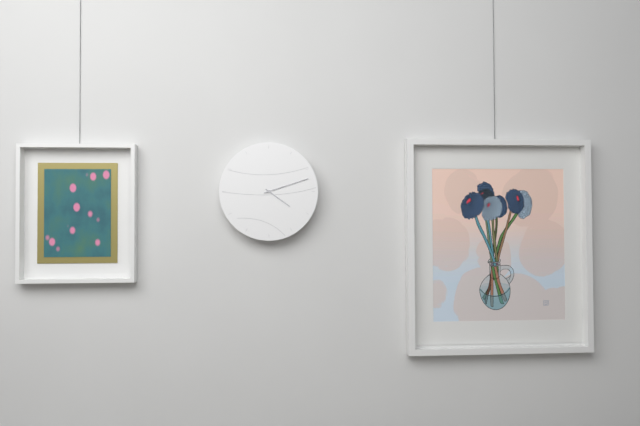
4:12
